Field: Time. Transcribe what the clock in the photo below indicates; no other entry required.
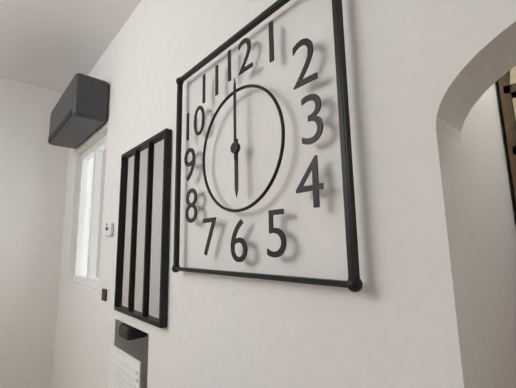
6:00
